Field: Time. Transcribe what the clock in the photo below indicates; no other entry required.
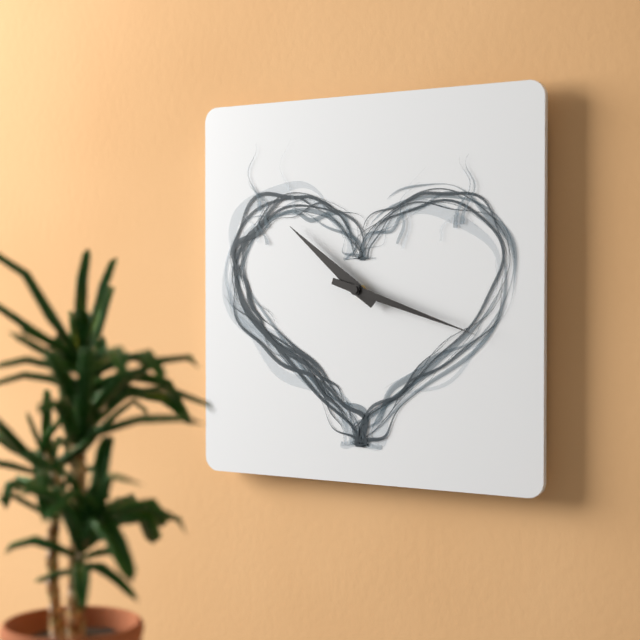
10:18
